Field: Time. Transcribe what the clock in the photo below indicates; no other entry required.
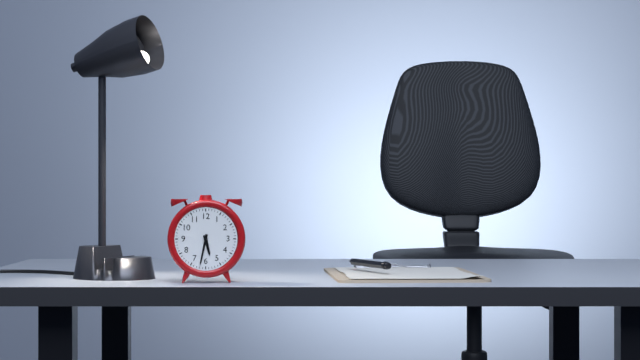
5:32
